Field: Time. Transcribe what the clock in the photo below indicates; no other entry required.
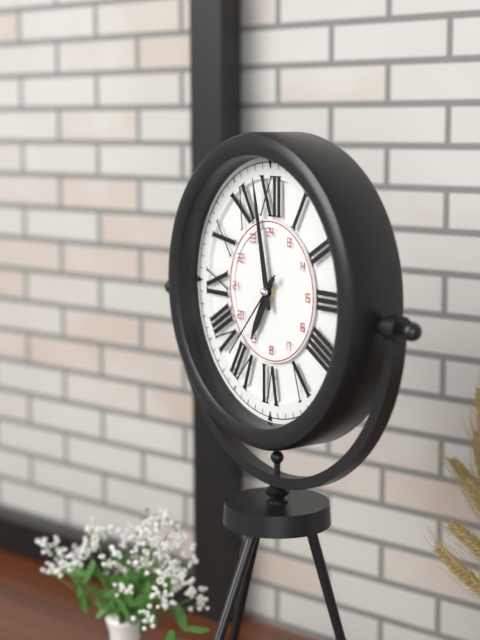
6:58:37
